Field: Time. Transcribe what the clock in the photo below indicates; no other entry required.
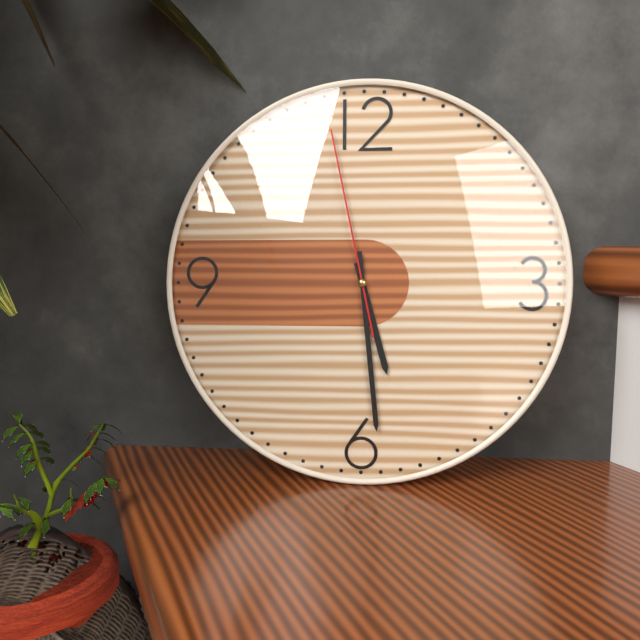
5:29:58
